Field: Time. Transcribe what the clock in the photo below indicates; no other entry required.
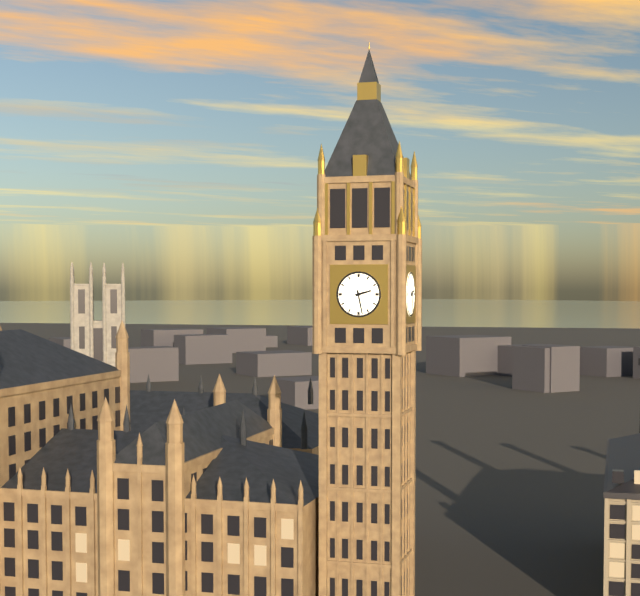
2:28
